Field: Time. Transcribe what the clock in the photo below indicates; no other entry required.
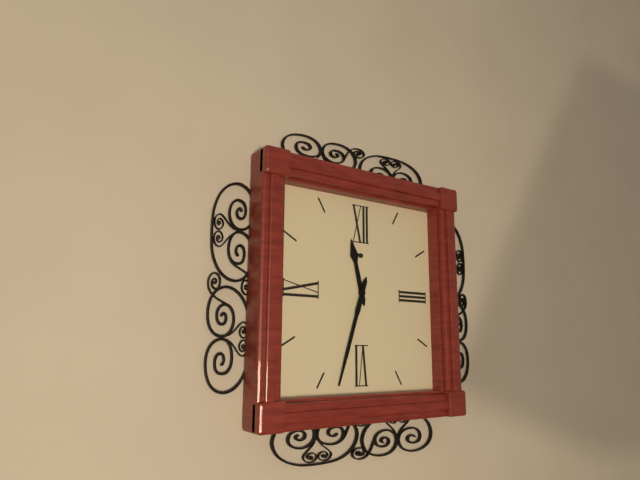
11:33
